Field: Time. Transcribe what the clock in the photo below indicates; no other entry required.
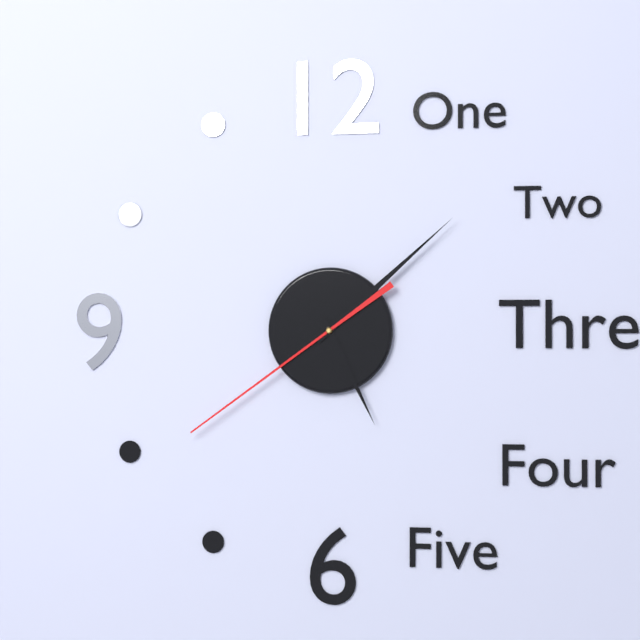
5:08:39
